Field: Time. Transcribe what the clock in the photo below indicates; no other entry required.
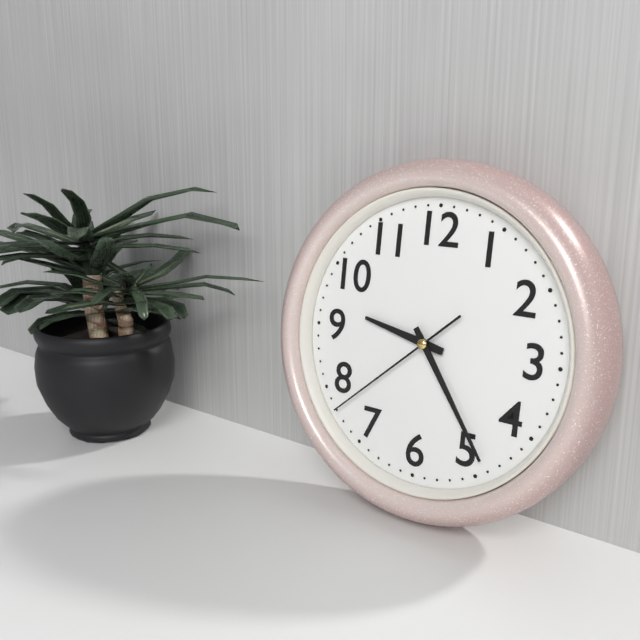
9:24:38
